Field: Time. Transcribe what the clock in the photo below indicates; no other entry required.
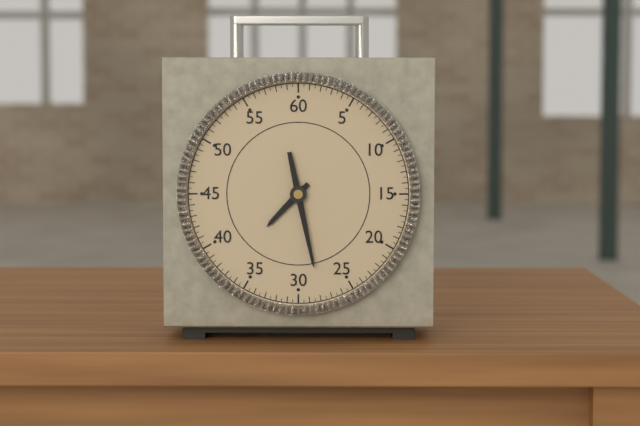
7:28
